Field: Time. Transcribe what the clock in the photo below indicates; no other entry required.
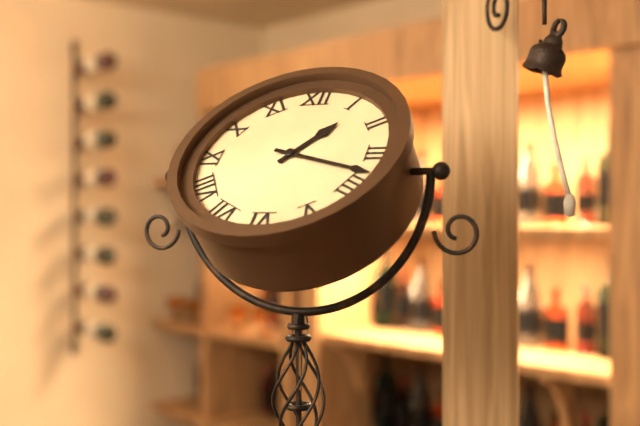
1:18
